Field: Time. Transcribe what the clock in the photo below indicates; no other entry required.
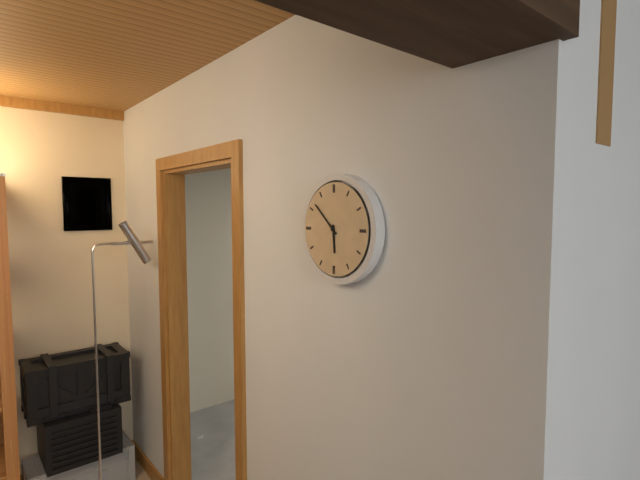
5:52
